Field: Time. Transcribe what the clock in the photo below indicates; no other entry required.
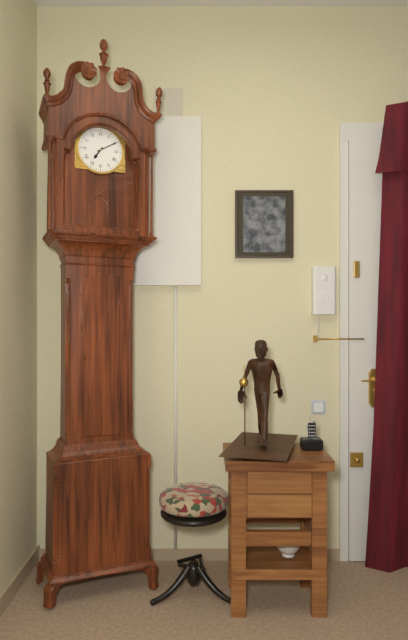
7:10
